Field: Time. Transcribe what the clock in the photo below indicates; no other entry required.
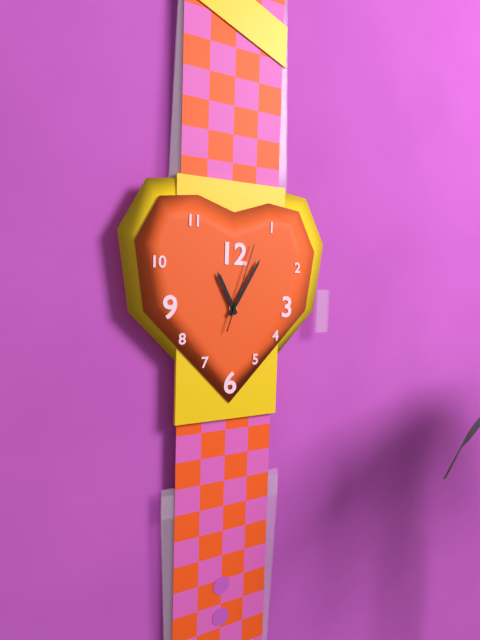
11:05:03
